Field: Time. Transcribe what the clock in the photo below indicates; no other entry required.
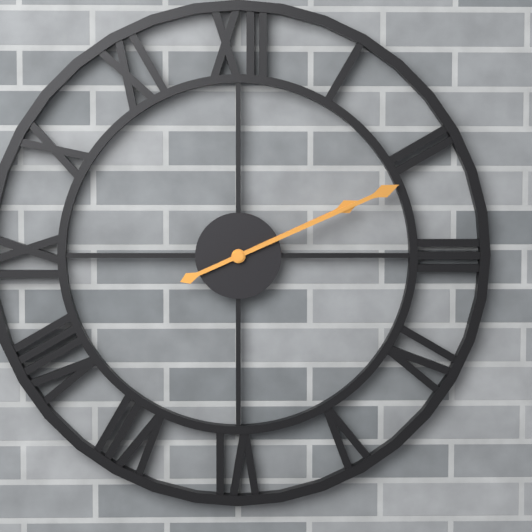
2:11
